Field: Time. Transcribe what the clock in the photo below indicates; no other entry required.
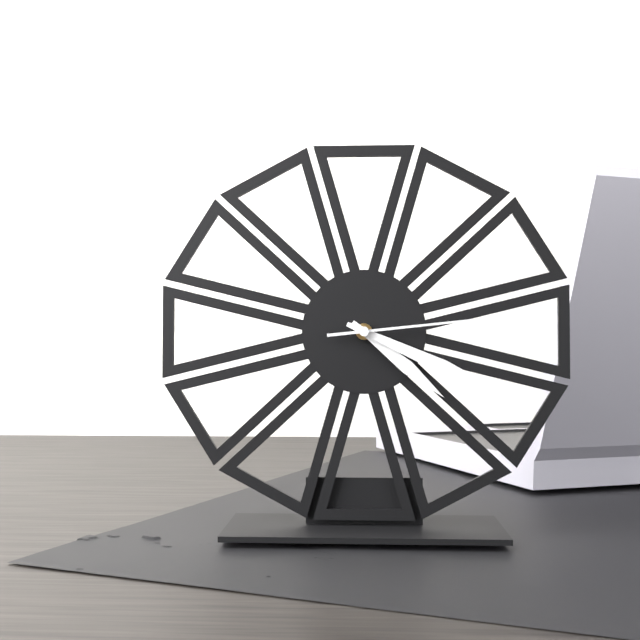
4:19:14
